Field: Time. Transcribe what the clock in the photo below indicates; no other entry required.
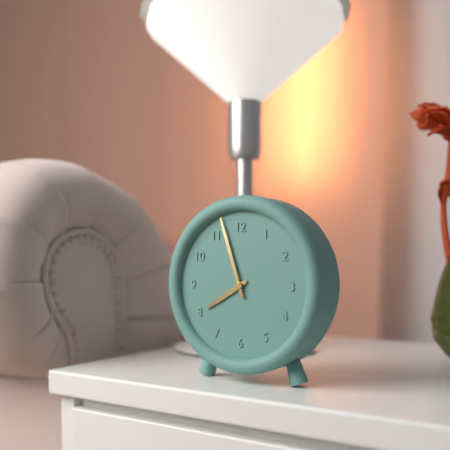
7:57
